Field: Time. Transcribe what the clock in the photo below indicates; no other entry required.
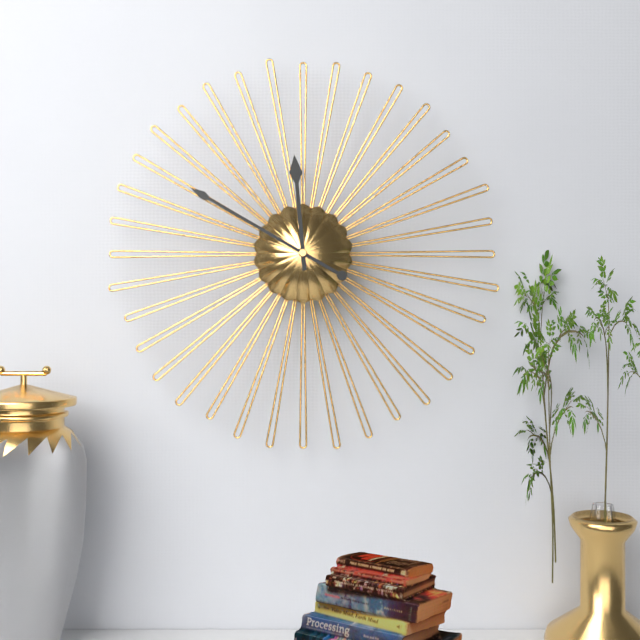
11:50
